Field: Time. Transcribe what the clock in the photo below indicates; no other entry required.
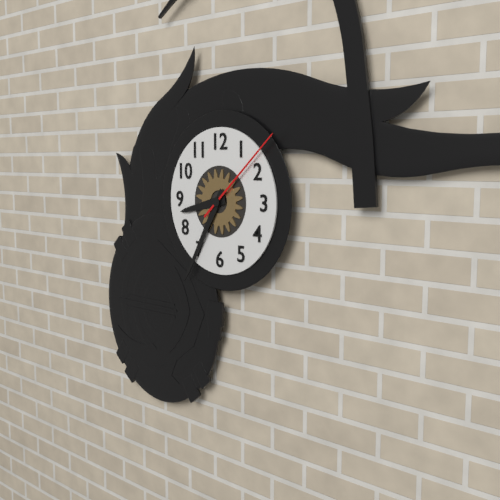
8:35:08
